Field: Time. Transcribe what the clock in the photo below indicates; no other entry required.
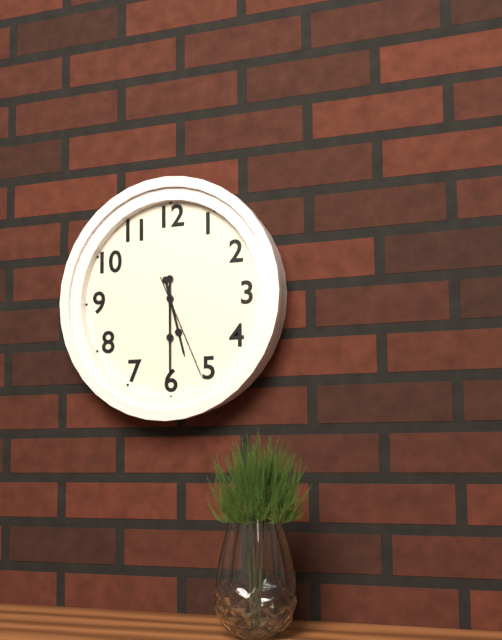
5:30:26
